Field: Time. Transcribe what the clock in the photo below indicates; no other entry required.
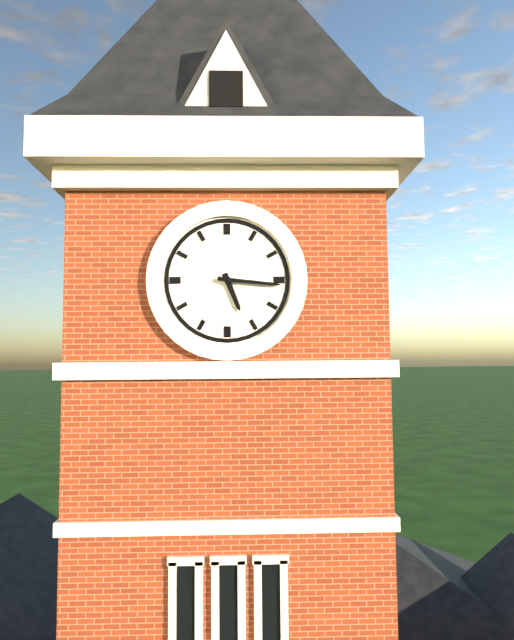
5:16
